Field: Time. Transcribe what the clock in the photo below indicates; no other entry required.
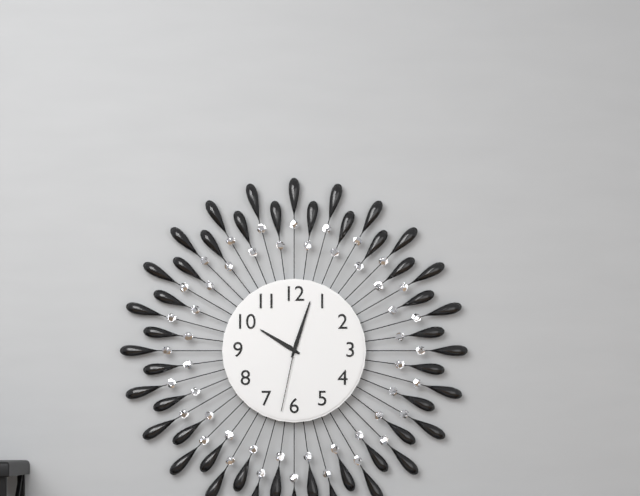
10:03:32
